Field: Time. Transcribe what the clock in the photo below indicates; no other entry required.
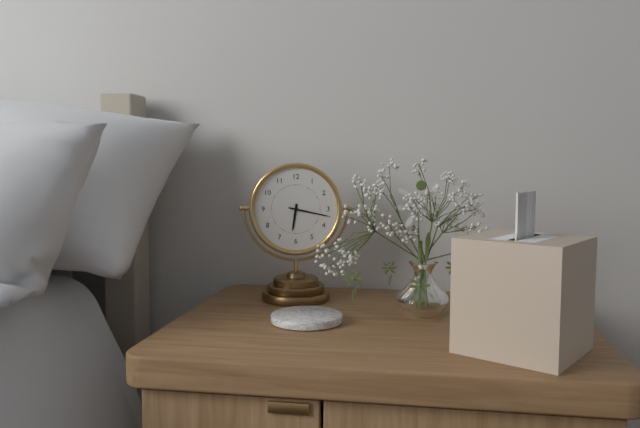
6:17
